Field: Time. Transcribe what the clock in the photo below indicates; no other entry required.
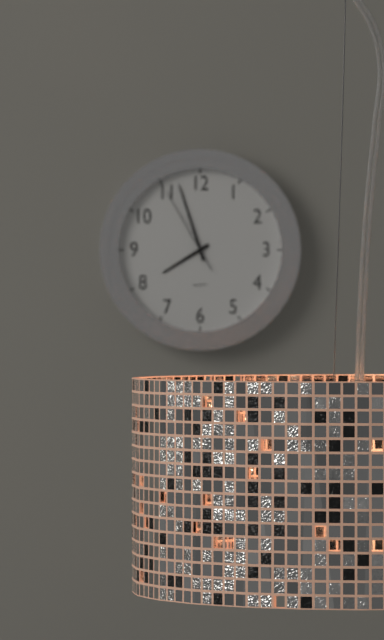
7:57:55
